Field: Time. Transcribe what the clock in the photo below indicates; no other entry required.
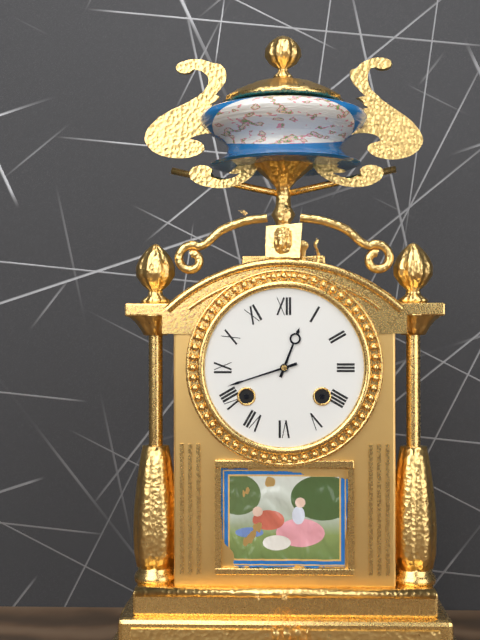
12:42
